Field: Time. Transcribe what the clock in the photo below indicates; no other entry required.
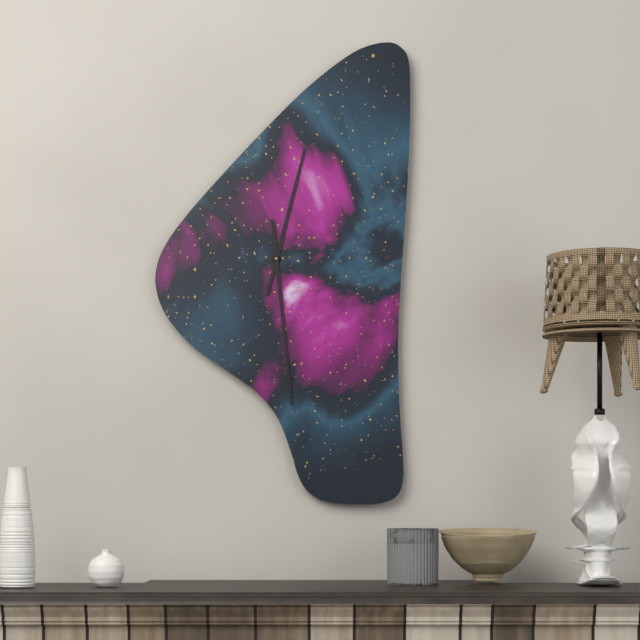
12:29
